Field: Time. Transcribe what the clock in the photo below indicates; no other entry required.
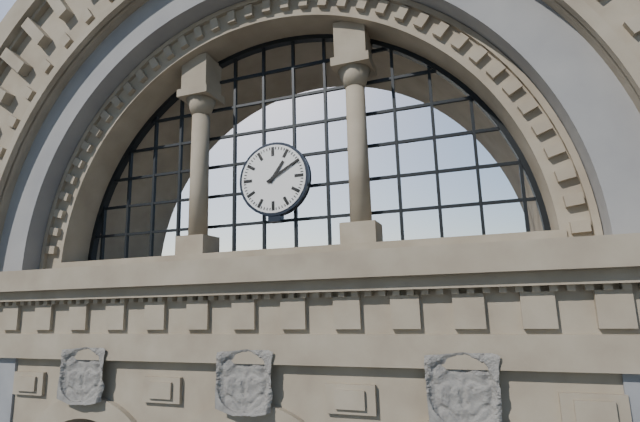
1:10
